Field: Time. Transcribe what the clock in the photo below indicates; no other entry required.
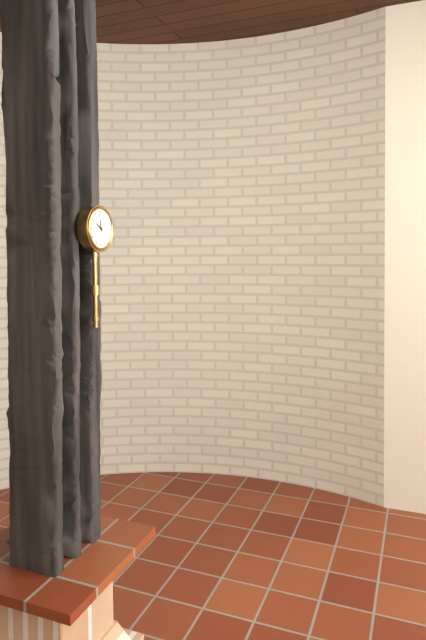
9:58
